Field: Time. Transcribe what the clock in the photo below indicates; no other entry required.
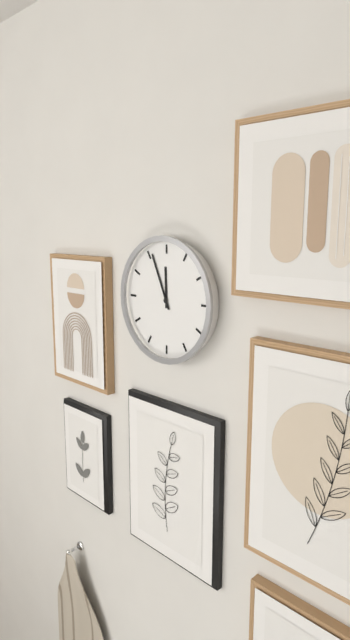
11:56
